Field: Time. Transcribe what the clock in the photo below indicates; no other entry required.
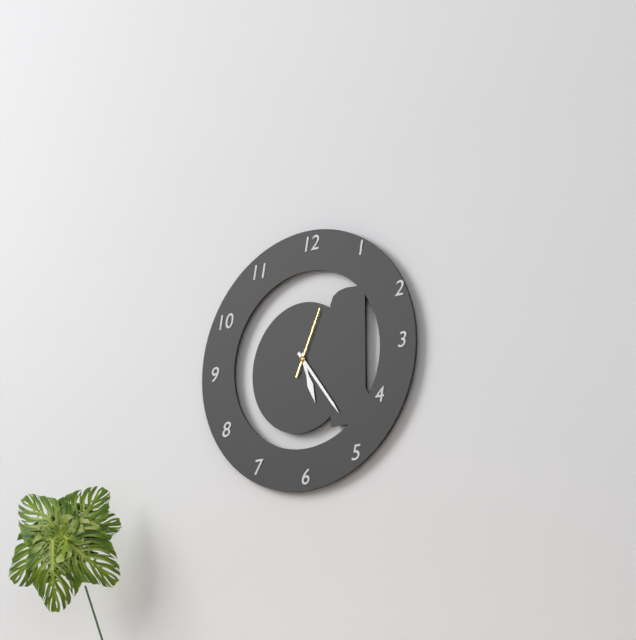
5:24:04
